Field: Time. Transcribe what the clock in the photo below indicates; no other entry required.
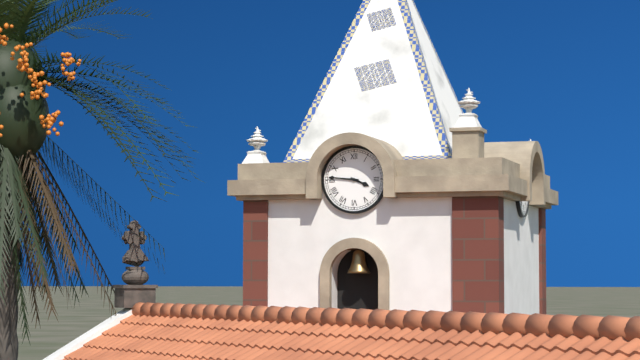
3:46
